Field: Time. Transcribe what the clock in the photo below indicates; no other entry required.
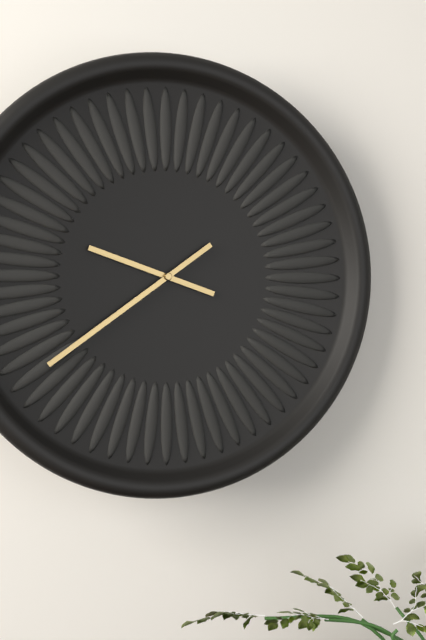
9:39
